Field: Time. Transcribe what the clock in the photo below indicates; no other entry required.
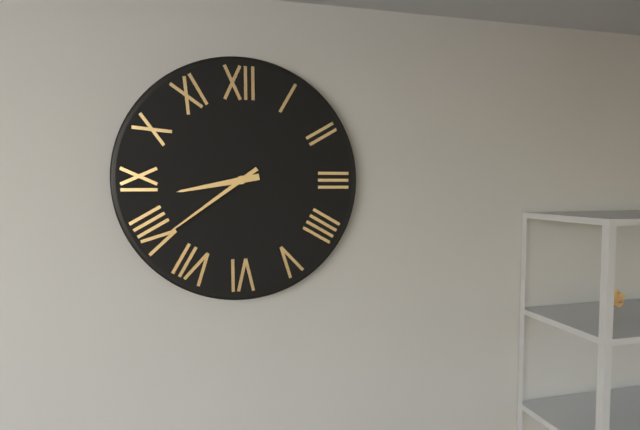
8:39
